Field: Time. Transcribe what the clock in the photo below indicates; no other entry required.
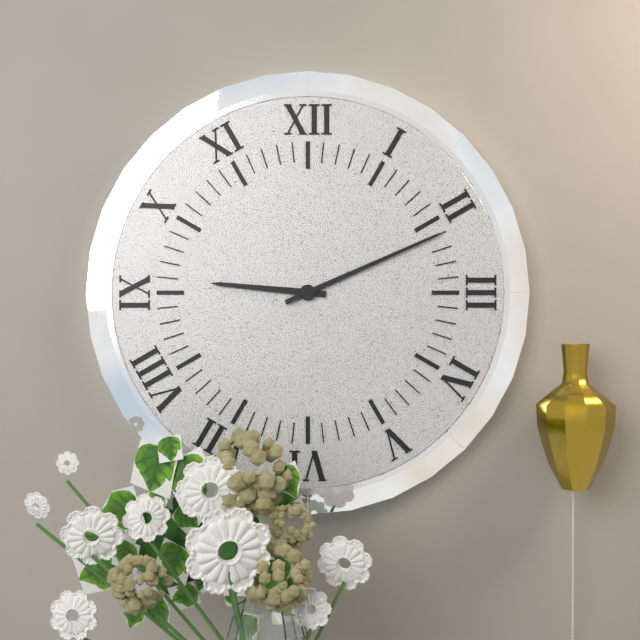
9:11
